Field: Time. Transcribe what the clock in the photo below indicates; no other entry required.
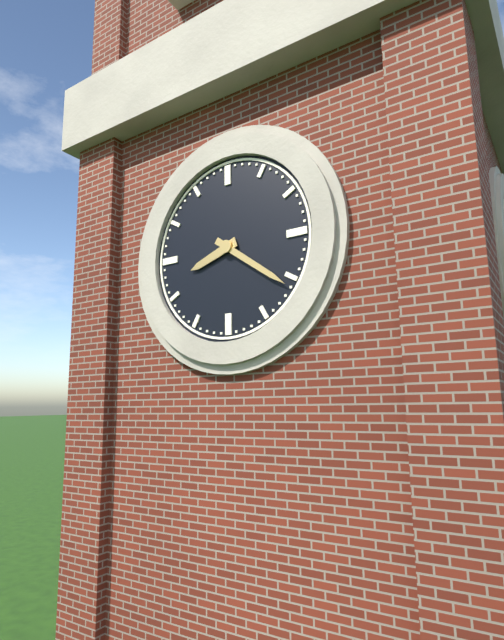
8:21
